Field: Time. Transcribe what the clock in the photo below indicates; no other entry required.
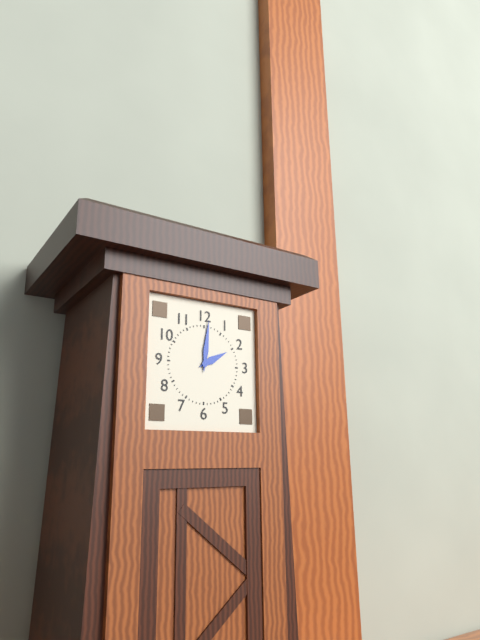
2:01
